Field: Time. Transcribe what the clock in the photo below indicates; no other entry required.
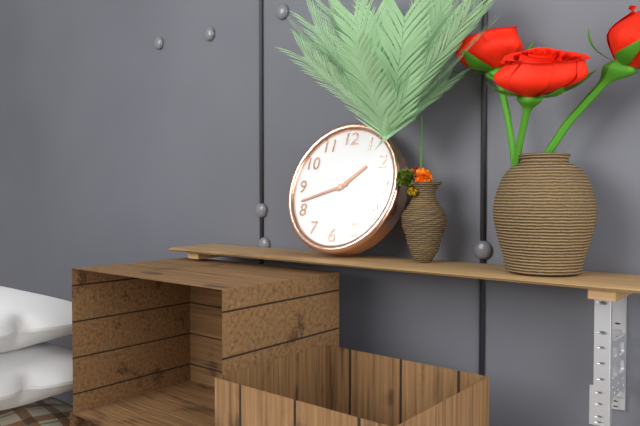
1:42
